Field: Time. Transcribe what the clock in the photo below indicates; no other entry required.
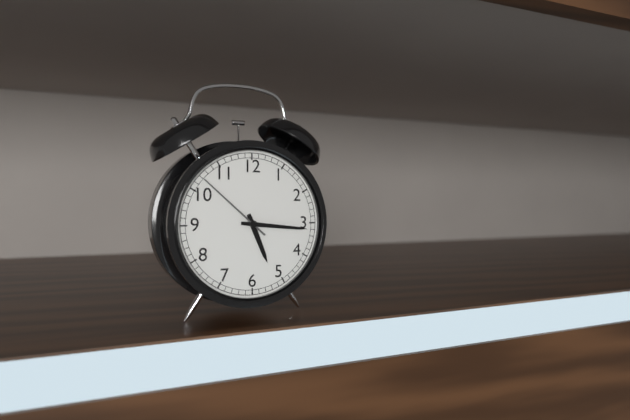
5:16:52
